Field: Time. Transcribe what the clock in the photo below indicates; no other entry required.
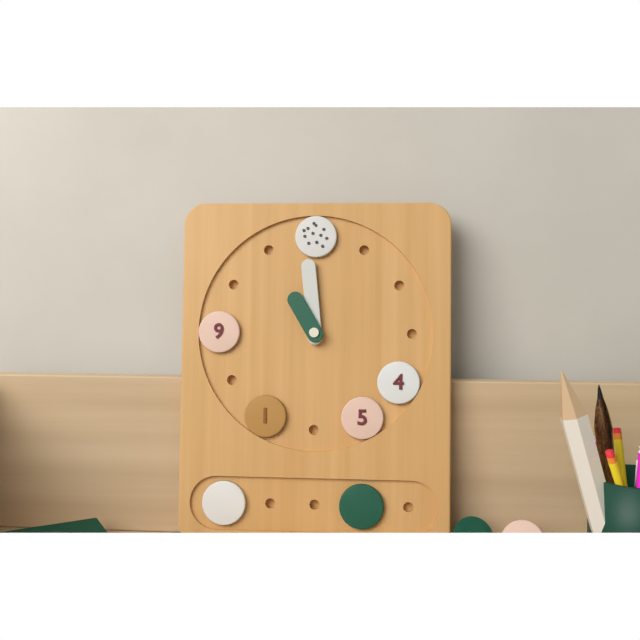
10:59
